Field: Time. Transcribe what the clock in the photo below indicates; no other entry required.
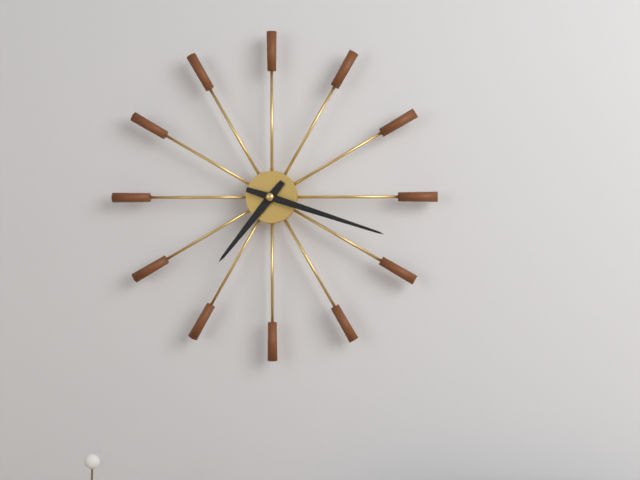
7:18
